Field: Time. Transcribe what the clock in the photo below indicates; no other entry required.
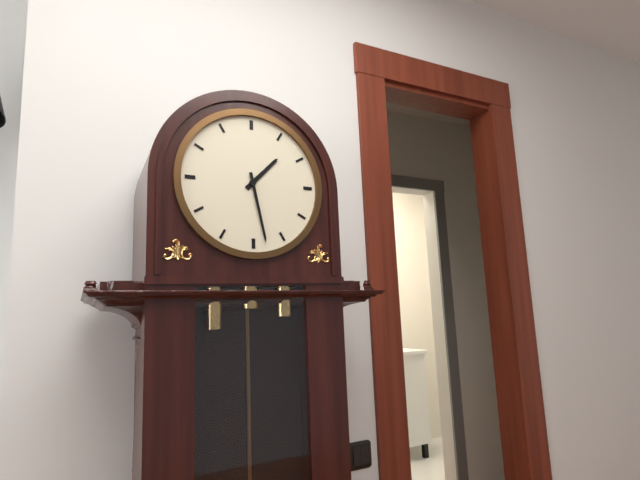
1:28
